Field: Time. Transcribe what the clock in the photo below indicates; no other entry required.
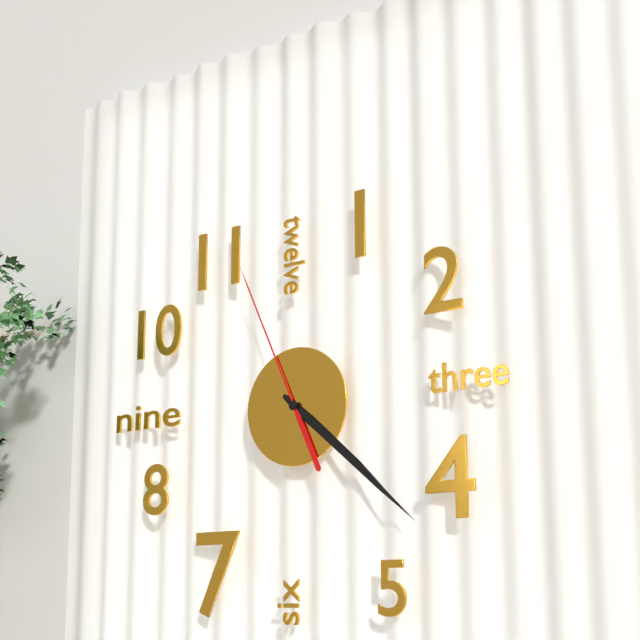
4:22:56
